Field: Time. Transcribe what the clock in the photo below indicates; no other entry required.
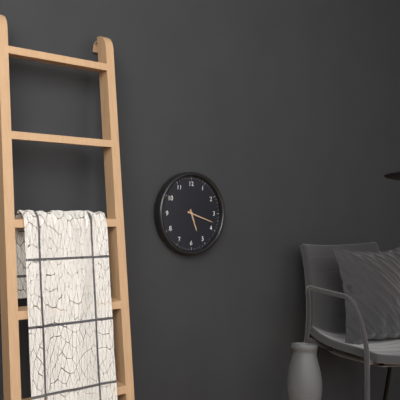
5:18
